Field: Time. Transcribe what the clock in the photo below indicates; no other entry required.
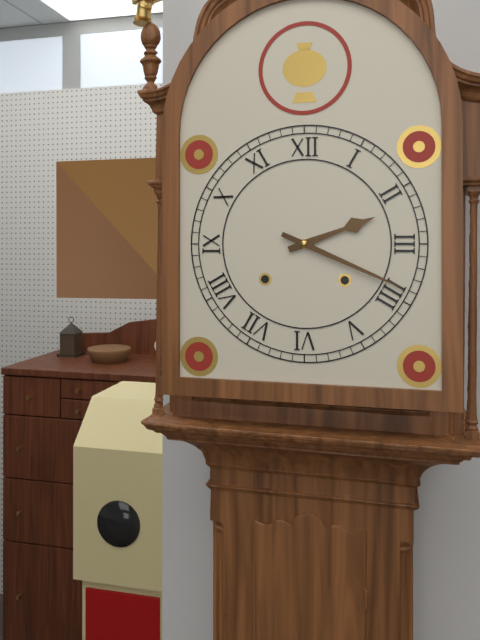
2:19
